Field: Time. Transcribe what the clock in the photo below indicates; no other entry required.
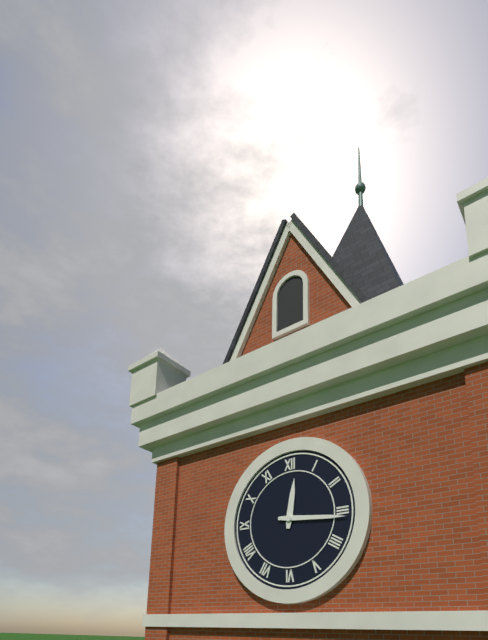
12:16
